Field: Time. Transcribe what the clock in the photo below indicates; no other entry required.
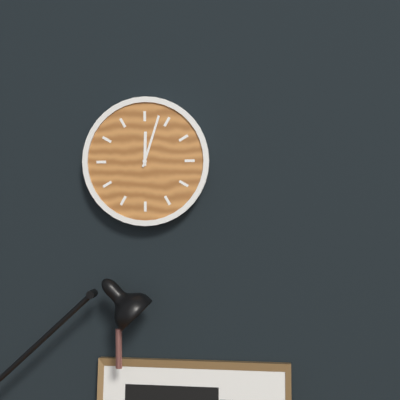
12:03
